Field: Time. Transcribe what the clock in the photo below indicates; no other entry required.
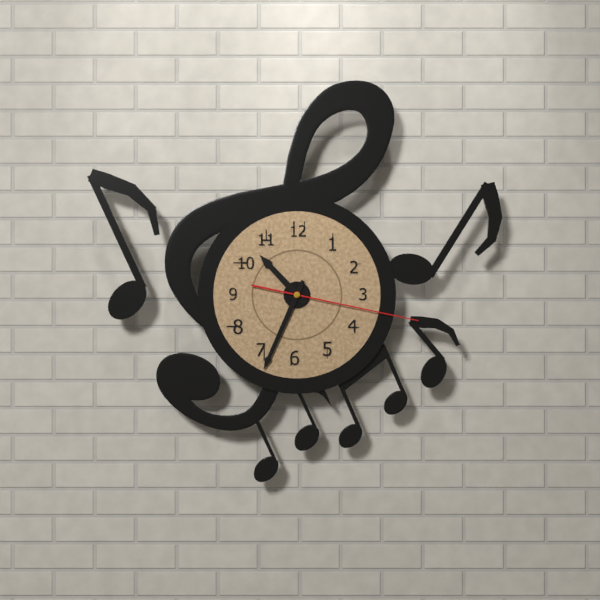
10:34:17
